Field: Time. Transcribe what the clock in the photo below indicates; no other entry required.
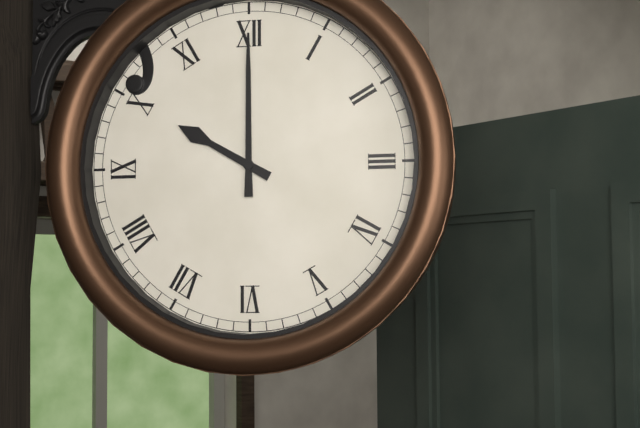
10:00
